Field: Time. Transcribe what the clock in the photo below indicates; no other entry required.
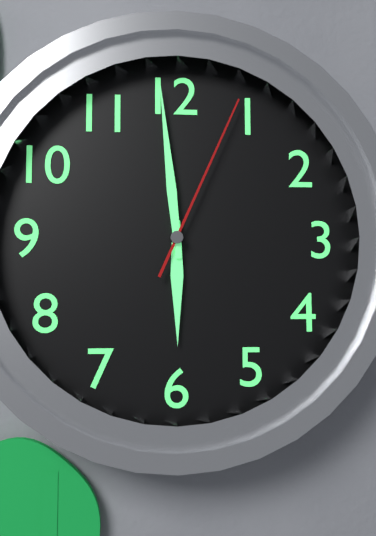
5:59:04
